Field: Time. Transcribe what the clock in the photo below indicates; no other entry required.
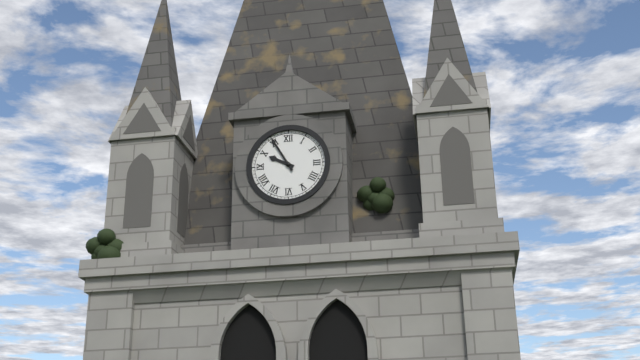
9:55
